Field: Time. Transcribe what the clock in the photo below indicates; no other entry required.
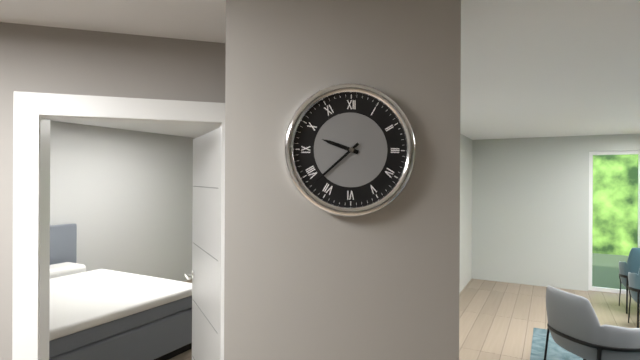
9:38
